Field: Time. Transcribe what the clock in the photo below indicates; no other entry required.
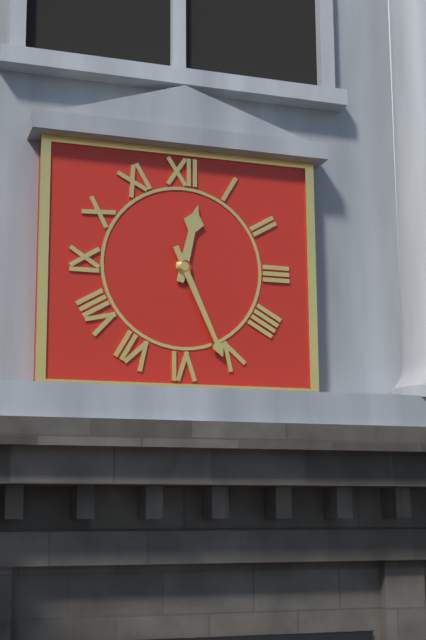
12:26
